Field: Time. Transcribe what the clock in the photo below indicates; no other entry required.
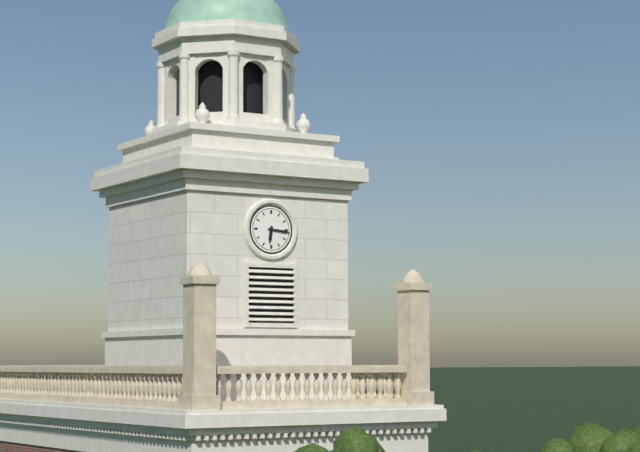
6:16
